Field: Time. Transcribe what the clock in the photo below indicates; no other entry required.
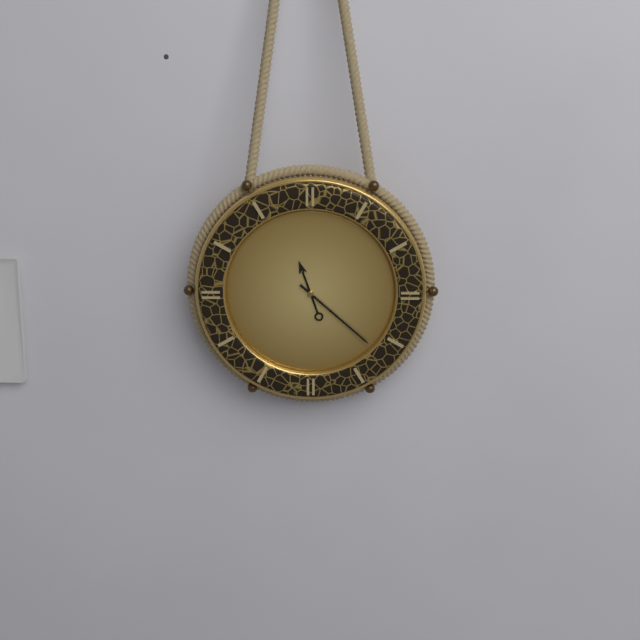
11:22
